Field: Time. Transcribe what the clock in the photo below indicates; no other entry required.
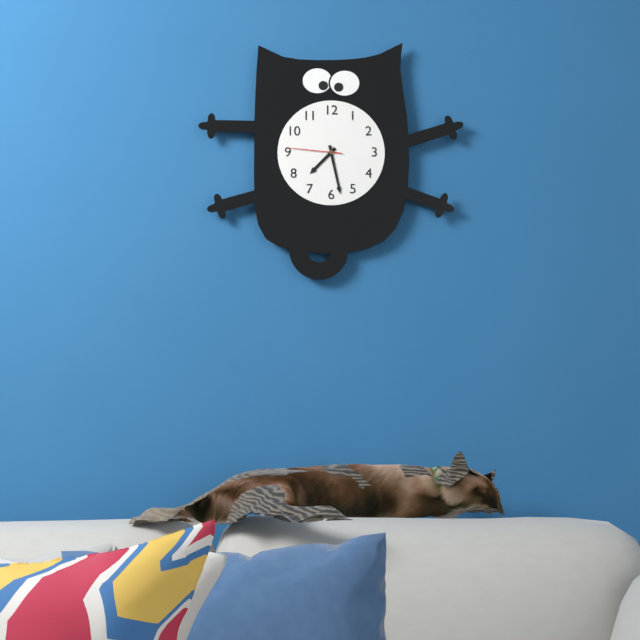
7:28:46
